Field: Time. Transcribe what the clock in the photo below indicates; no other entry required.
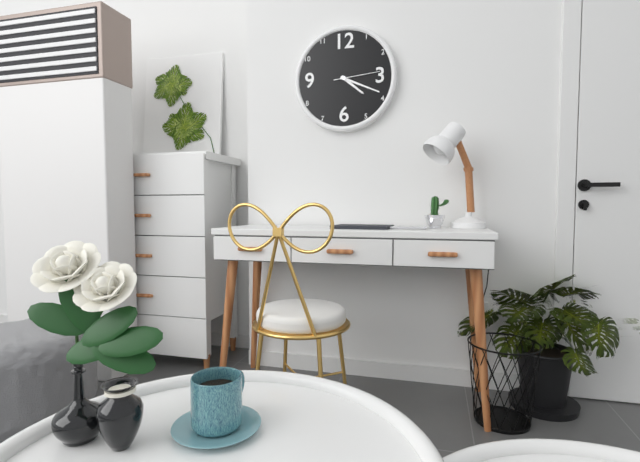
4:19
